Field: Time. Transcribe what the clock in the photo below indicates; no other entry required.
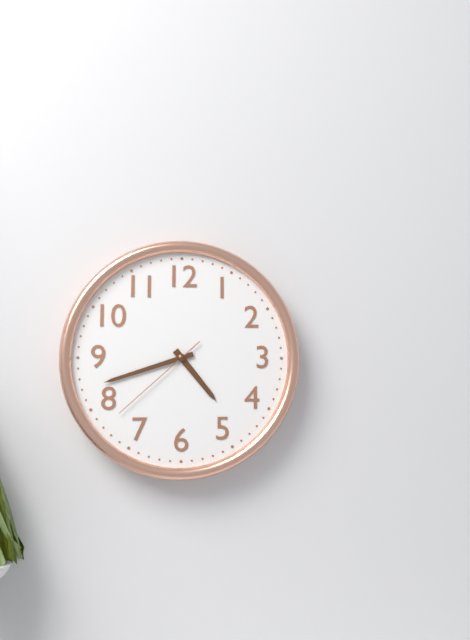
4:42:38
